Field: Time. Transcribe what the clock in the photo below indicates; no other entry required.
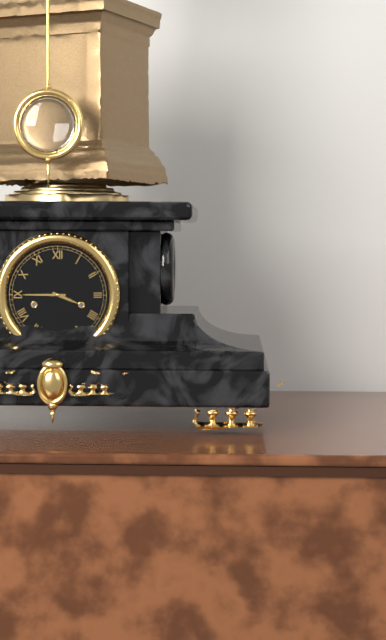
3:45
